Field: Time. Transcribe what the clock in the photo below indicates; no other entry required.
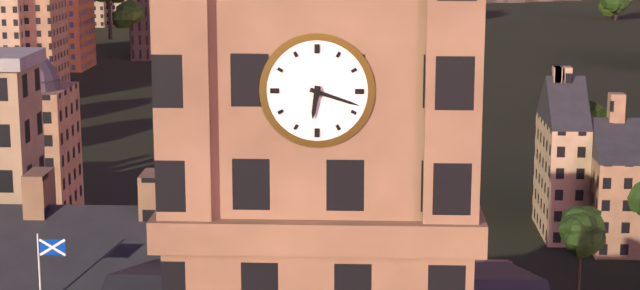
6:18
